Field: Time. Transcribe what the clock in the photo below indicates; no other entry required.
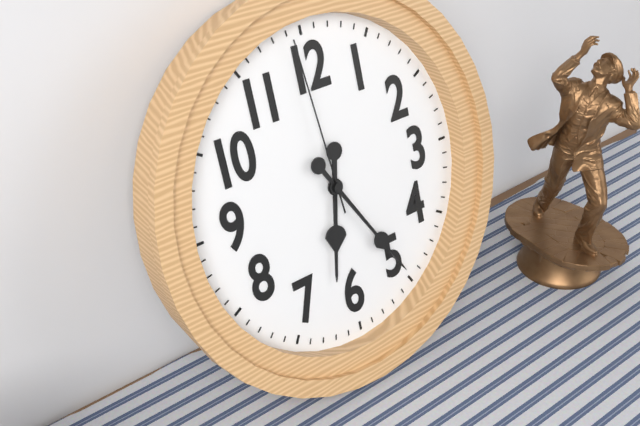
6:25:59
